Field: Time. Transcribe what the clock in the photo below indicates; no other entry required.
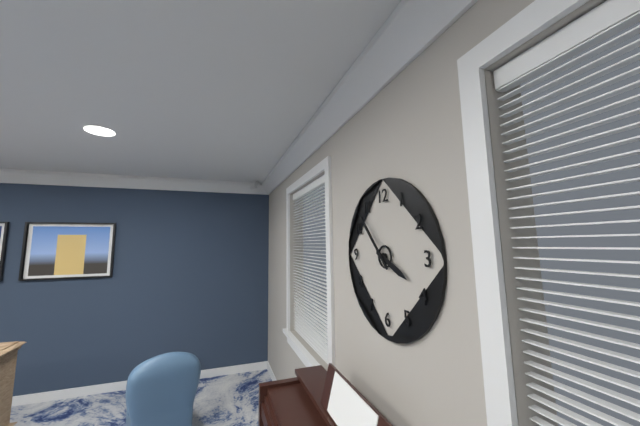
3:53
